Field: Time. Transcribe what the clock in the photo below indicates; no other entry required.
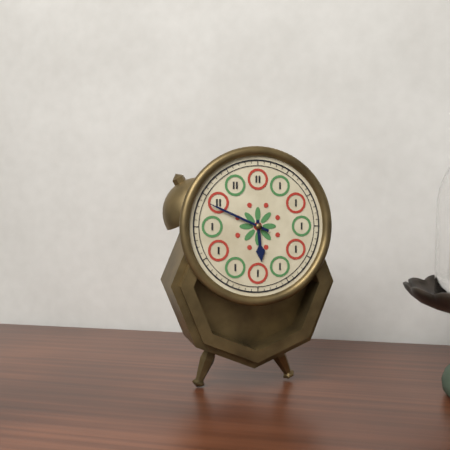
5:49
